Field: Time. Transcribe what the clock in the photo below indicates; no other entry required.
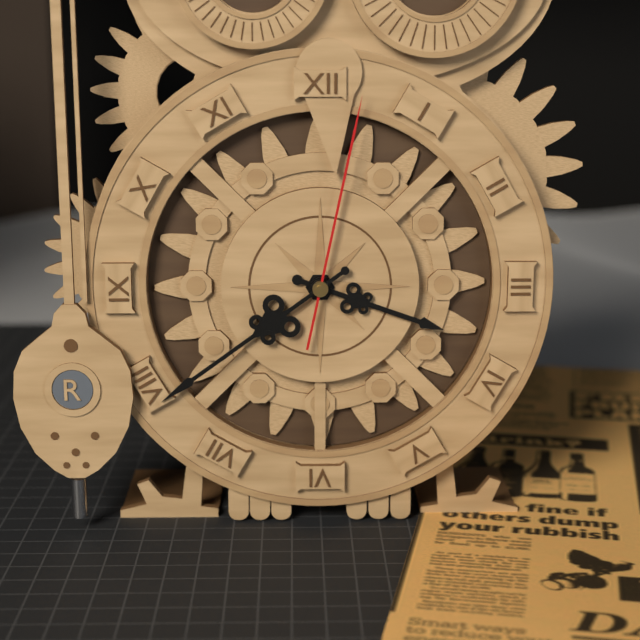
3:39:02
